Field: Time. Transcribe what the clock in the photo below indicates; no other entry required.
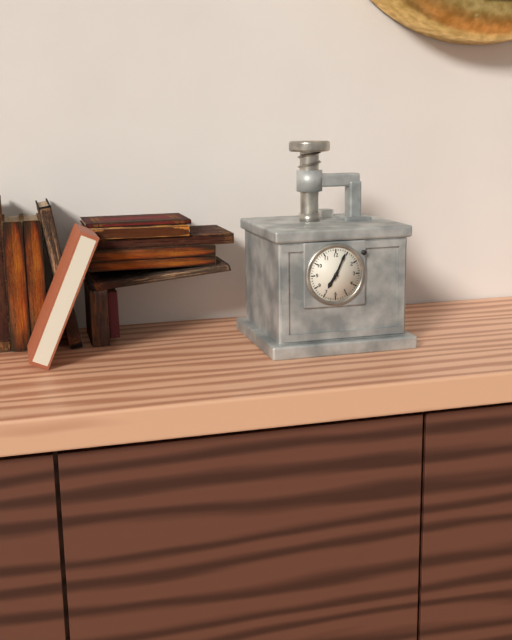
7:04
